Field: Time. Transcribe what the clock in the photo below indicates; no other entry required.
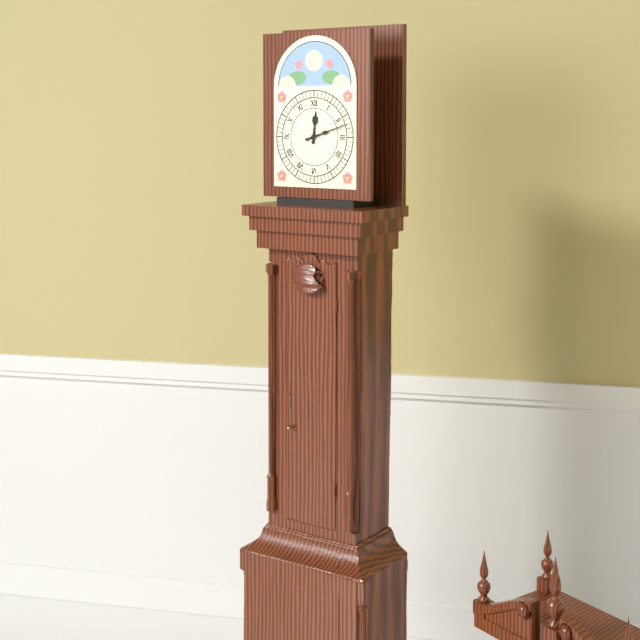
12:12
